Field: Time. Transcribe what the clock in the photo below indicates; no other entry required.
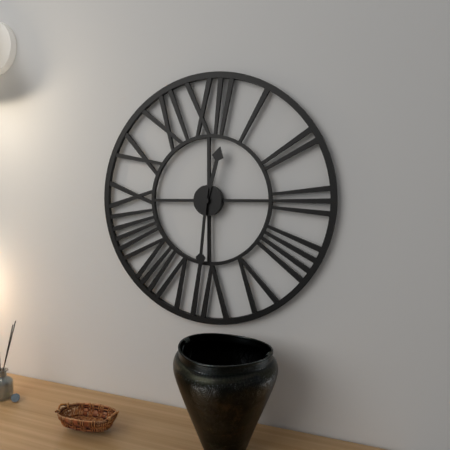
12:31
